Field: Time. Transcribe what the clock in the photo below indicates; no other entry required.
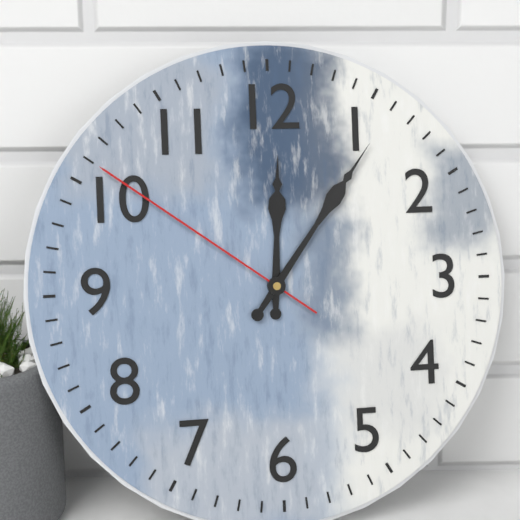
12:06:51
